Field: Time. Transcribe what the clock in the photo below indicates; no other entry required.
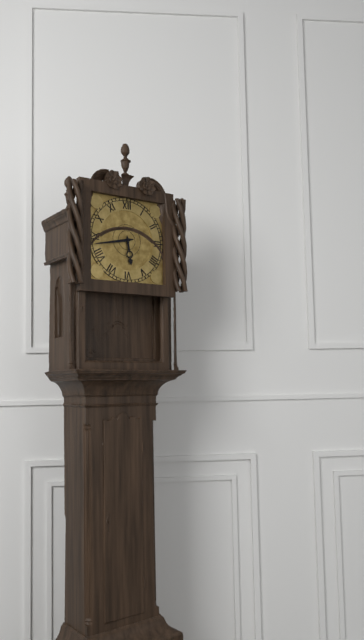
5:43
